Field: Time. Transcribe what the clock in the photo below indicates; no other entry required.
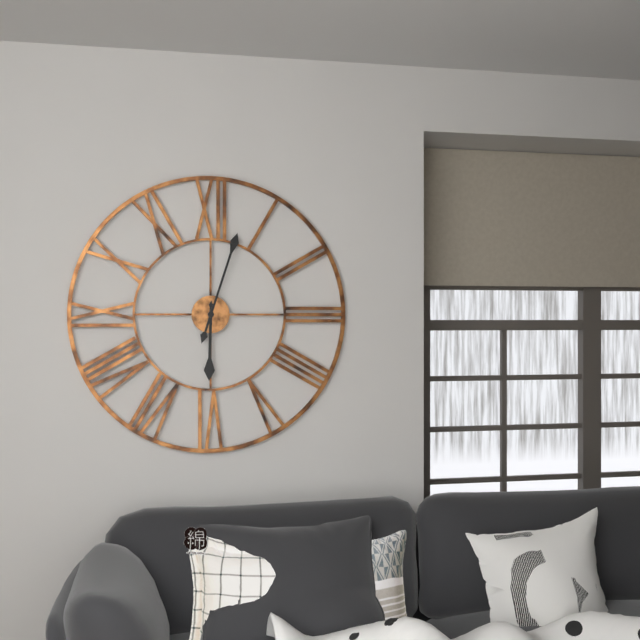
6:03
